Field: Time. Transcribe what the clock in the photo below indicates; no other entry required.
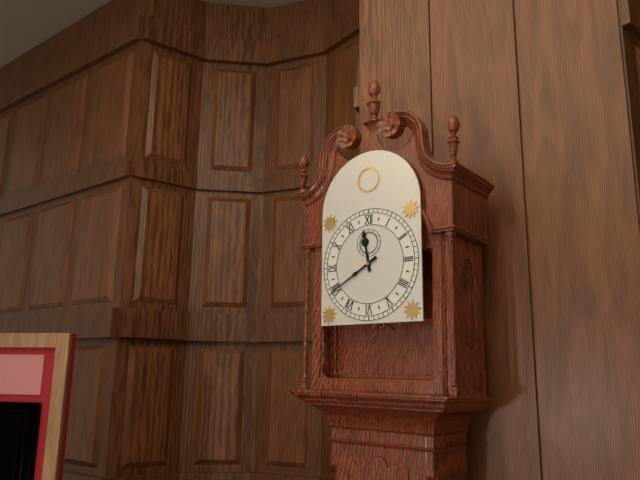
11:40
